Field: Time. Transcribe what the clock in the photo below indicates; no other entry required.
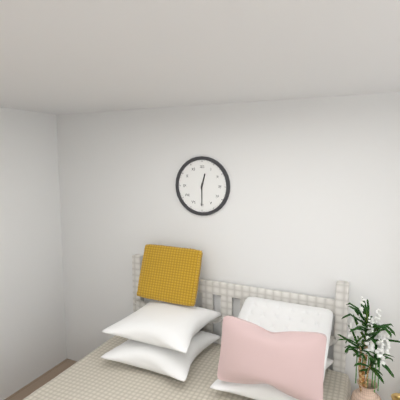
12:30
